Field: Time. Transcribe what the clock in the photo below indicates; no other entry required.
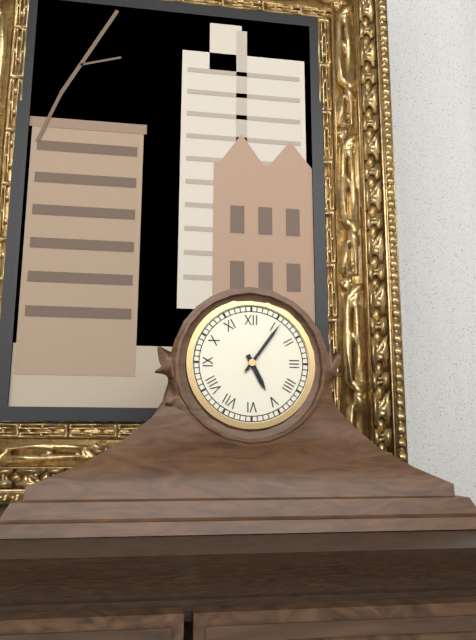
5:06
